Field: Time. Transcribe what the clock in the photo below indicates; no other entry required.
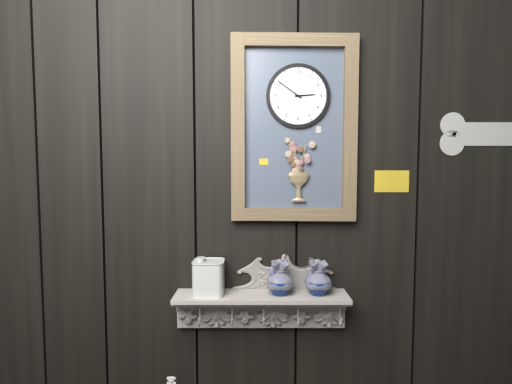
2:51
